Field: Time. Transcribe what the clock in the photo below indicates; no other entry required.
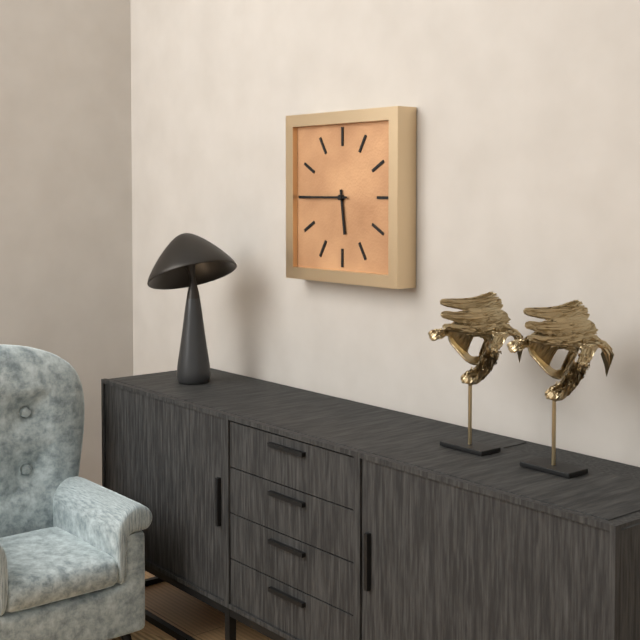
5:45
